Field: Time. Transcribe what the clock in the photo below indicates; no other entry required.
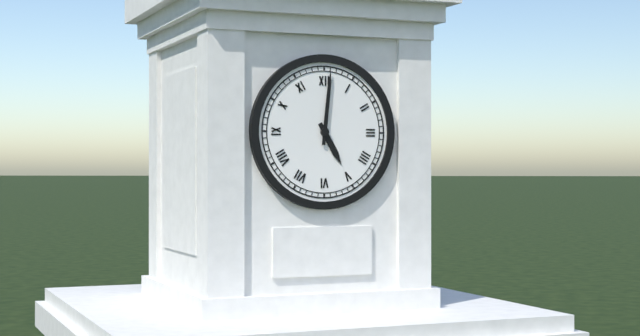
5:01
